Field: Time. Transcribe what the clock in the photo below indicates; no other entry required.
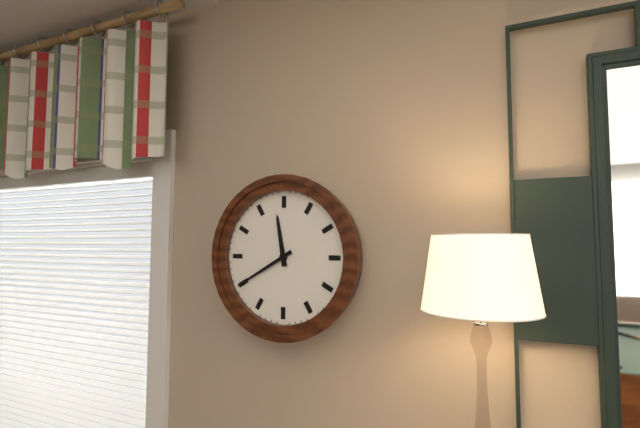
11:40
